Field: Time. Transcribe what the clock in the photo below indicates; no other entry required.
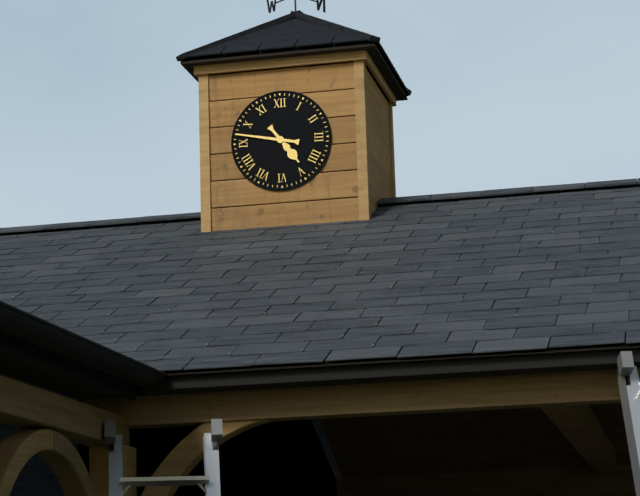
4:47
